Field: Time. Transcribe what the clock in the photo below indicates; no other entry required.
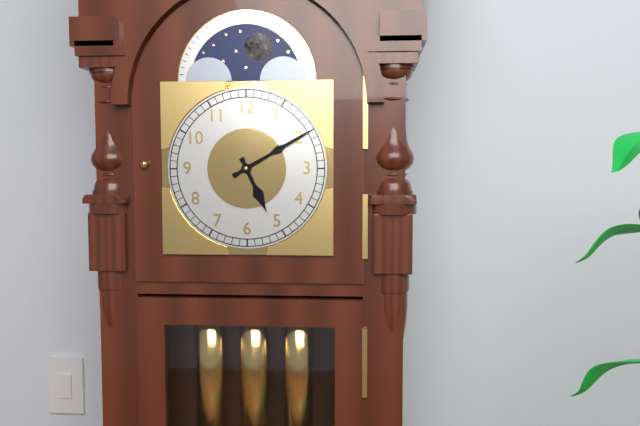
5:10
